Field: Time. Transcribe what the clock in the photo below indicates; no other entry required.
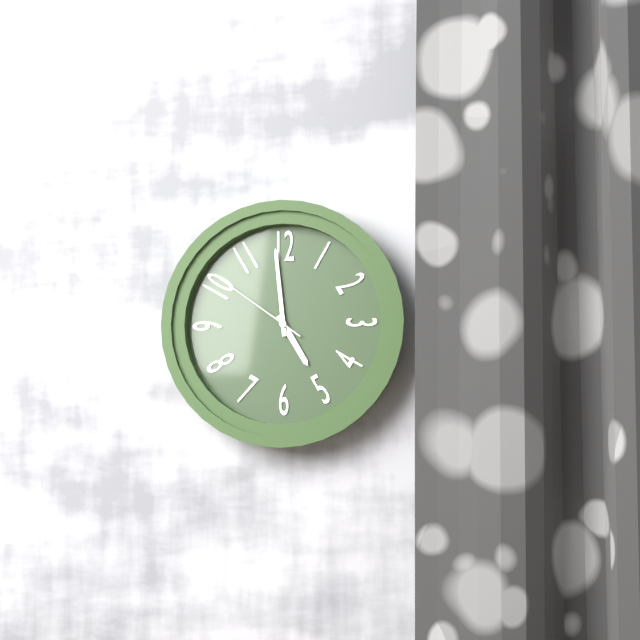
4:59:51
